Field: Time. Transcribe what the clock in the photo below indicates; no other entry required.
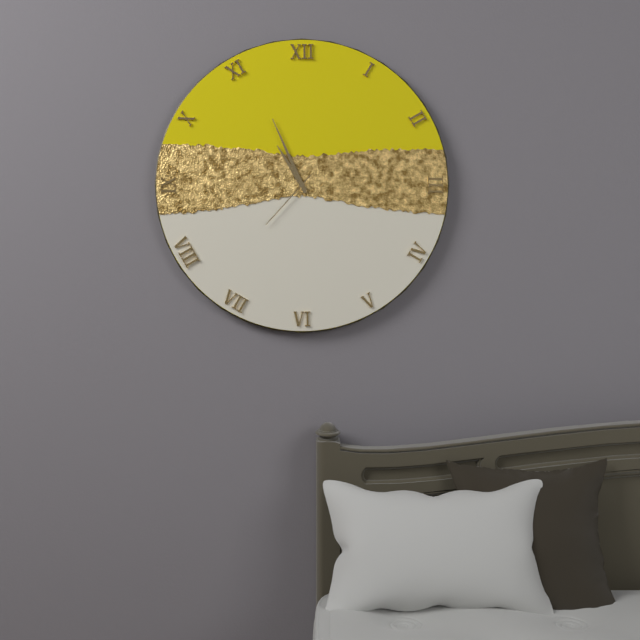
10:56:37
